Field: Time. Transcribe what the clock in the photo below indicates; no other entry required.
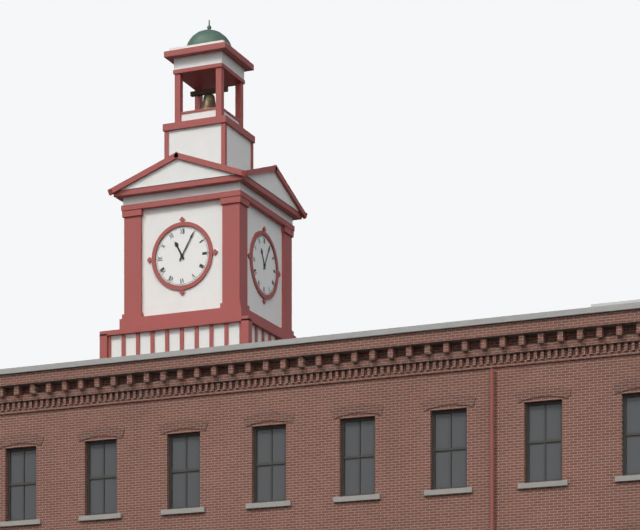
11:05
